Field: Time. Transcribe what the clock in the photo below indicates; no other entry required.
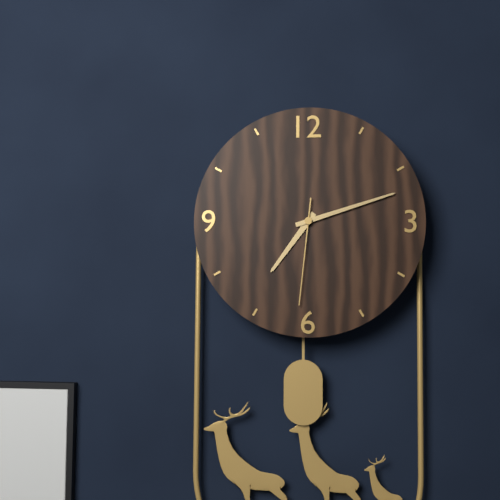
7:12:31
